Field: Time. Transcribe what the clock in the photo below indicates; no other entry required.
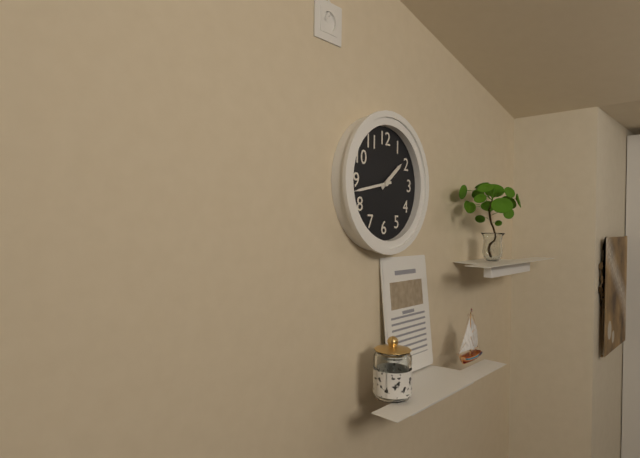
1:43
